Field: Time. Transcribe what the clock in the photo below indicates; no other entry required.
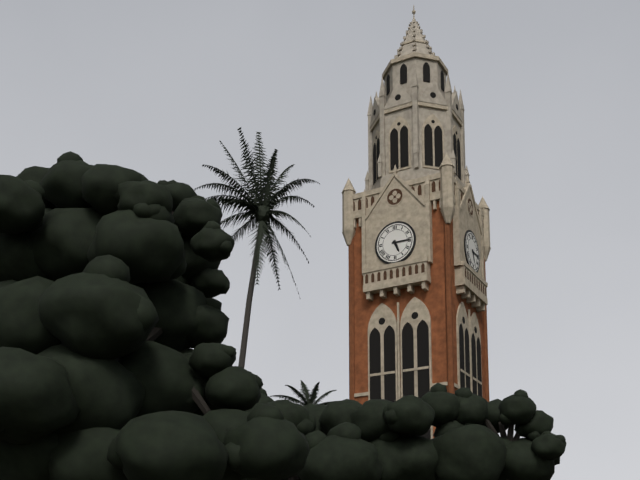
5:15
